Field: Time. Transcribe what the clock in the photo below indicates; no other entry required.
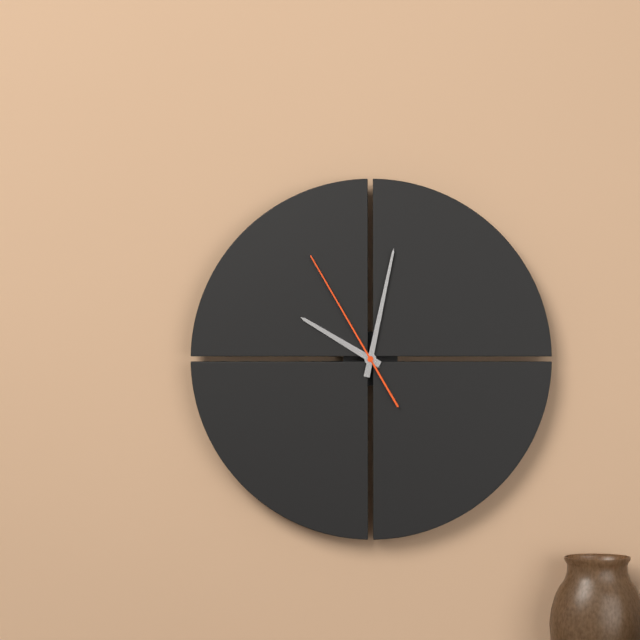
10:02:55
